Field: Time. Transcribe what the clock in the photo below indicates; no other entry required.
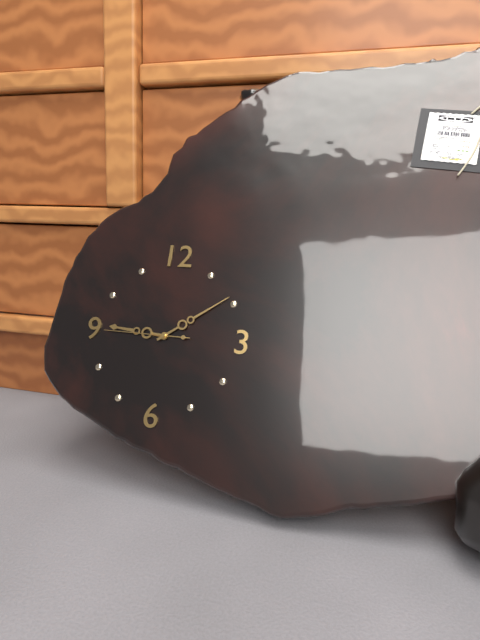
9:09:45
